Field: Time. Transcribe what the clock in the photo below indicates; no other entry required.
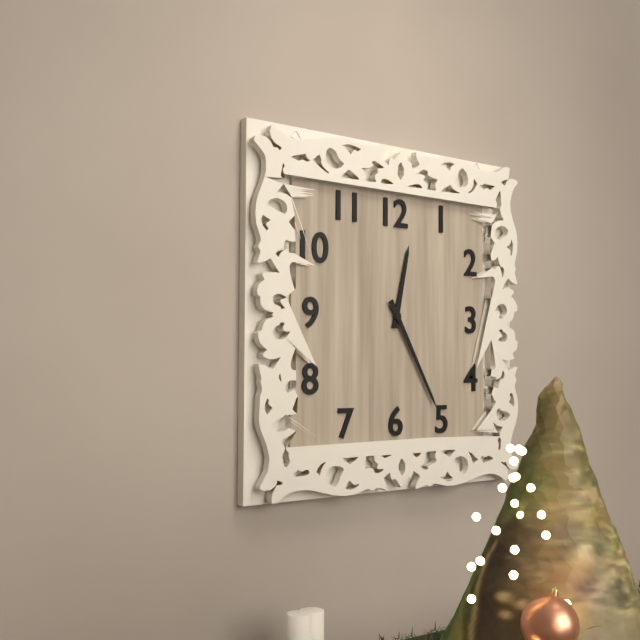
12:25
